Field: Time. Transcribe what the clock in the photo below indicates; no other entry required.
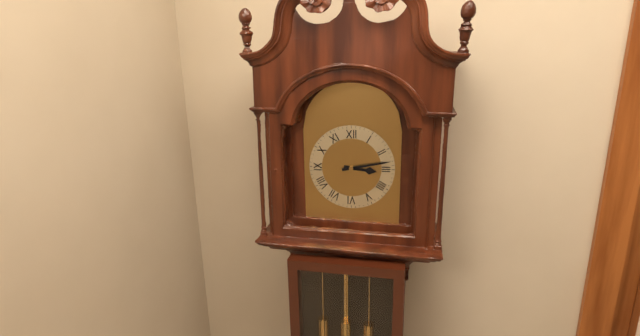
3:13
